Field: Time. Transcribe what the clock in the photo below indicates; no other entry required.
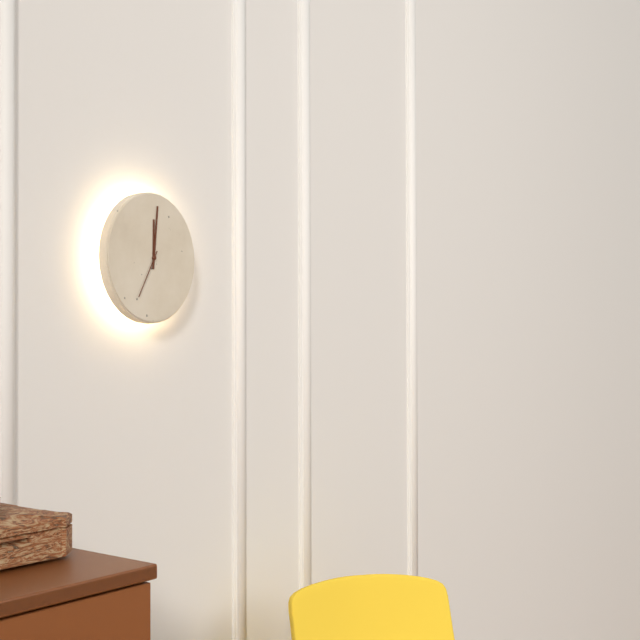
12:01:35
